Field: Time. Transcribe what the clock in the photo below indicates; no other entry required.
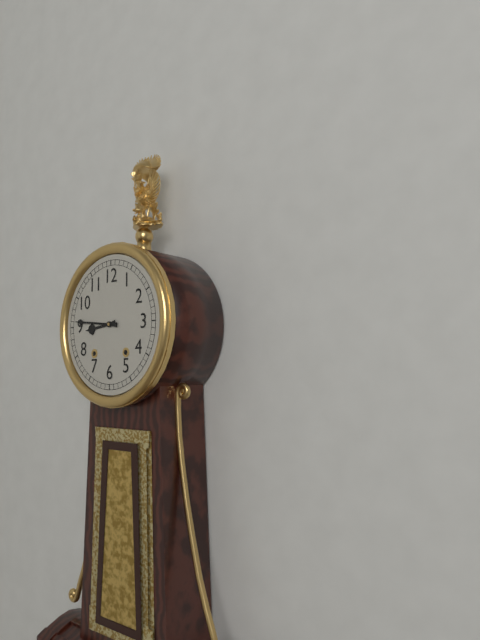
8:46
